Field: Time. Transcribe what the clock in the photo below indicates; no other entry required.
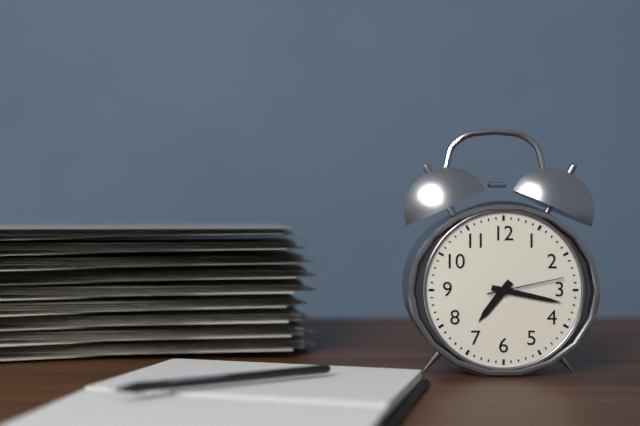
7:17:13
